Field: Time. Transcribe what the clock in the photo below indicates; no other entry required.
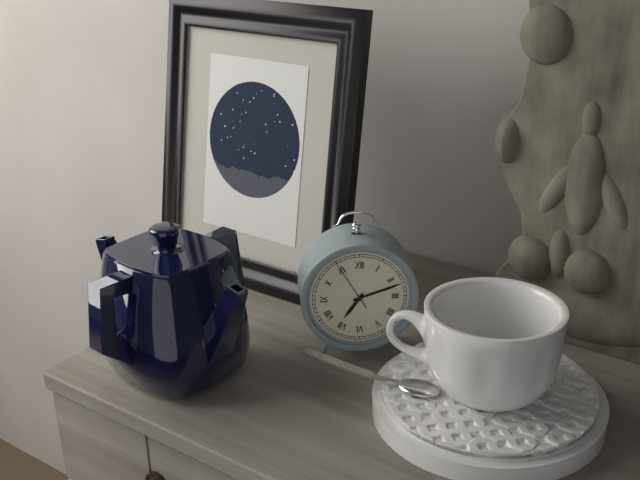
7:12:55
